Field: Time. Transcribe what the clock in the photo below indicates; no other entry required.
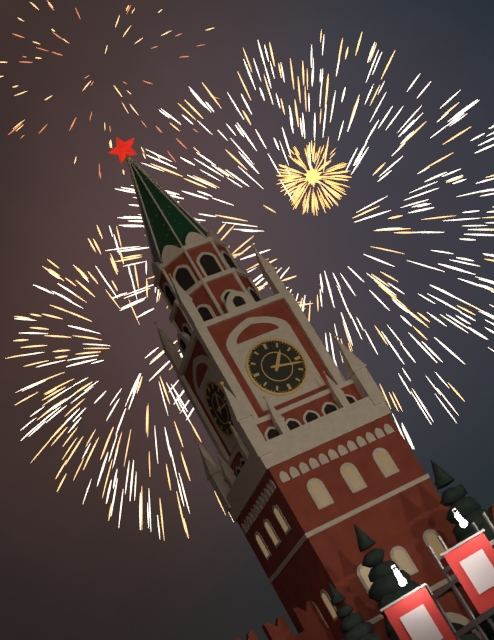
1:17
